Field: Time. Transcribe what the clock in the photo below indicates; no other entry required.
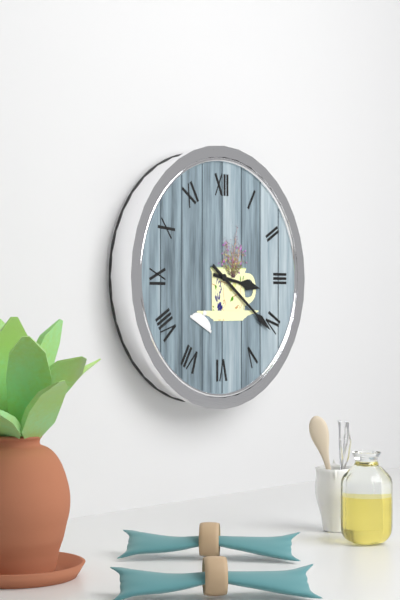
3:21
